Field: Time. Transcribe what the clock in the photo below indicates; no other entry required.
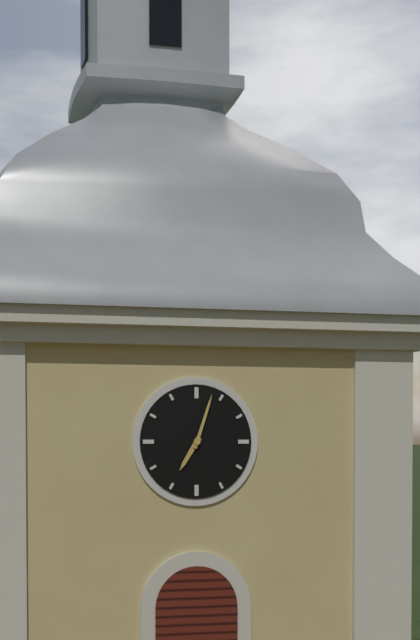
7:03
